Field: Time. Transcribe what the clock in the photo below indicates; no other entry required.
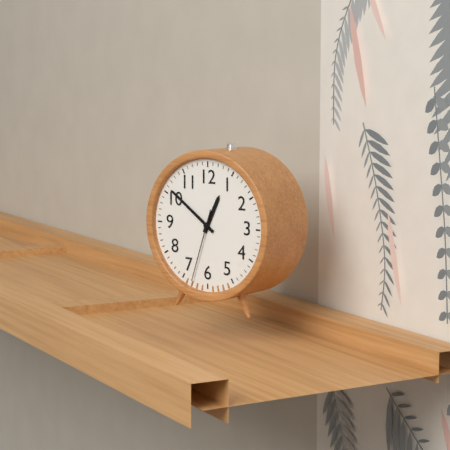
12:51:33
